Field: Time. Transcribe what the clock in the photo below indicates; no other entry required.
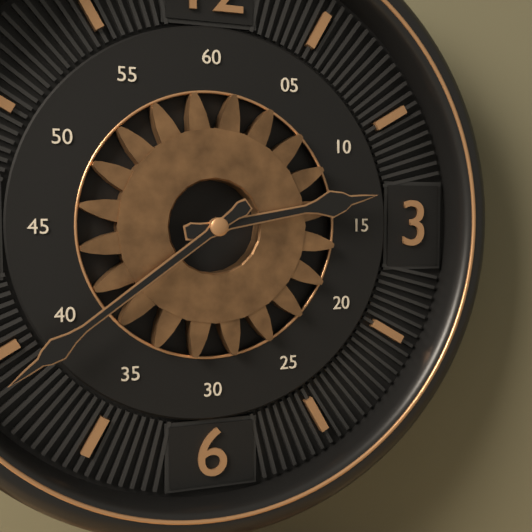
2:39
